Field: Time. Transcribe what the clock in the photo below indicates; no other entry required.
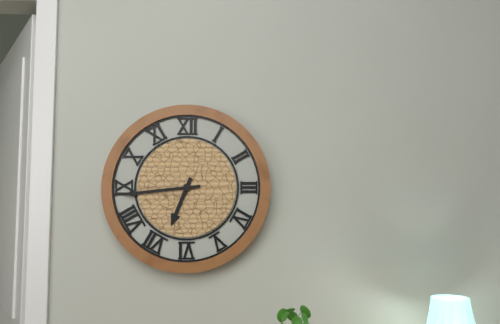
6:44
